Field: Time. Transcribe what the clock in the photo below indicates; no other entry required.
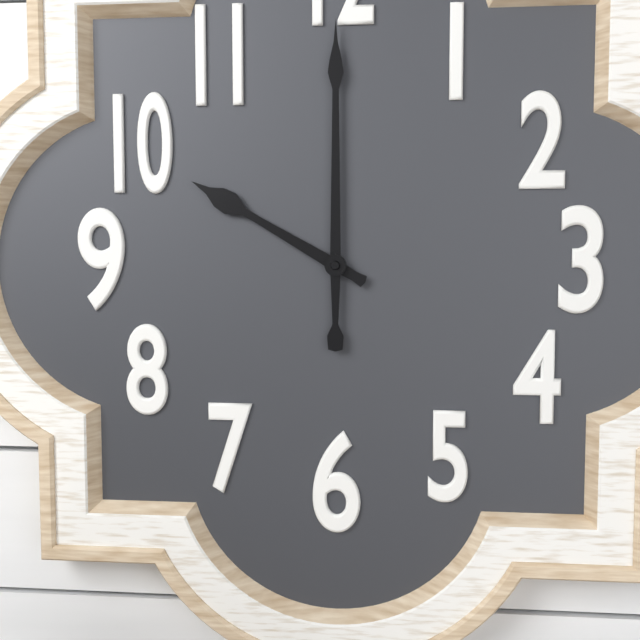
10:00
